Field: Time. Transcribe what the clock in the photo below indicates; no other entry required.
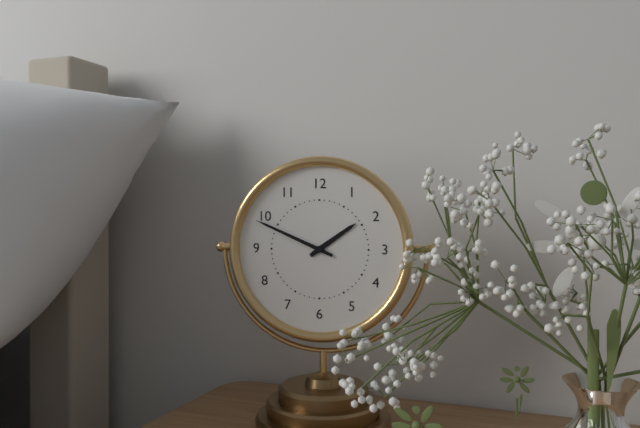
1:49
